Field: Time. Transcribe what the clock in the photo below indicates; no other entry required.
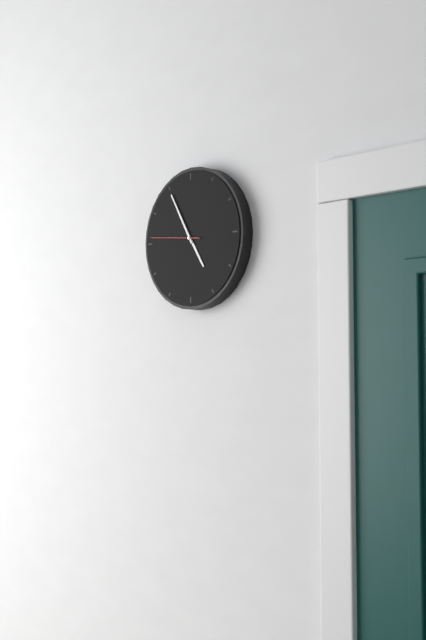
4:55
